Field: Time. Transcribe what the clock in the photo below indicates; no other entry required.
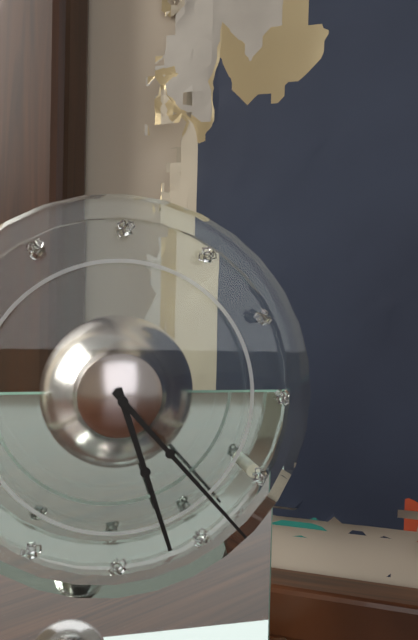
5:23
